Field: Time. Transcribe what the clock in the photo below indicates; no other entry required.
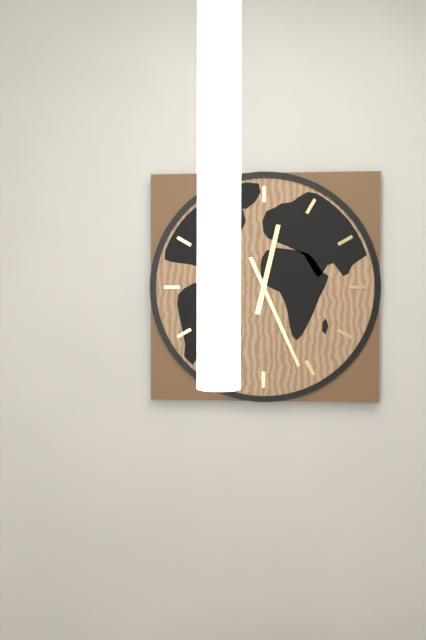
12:26
